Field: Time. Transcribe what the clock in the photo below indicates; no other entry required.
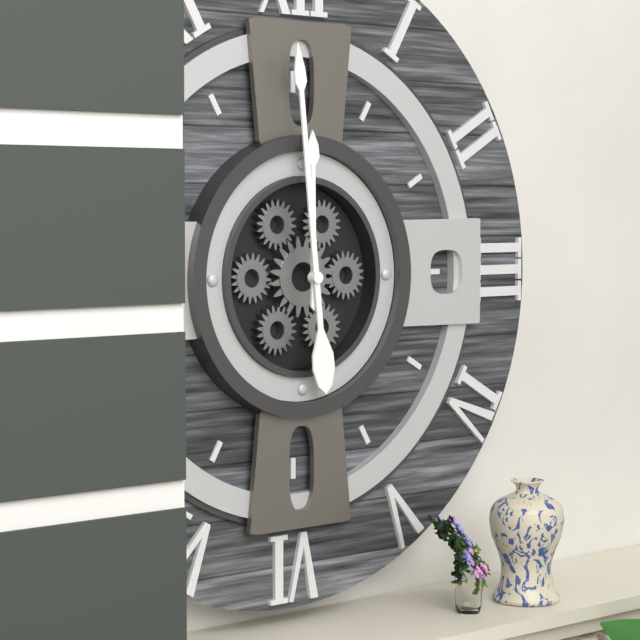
11:59
